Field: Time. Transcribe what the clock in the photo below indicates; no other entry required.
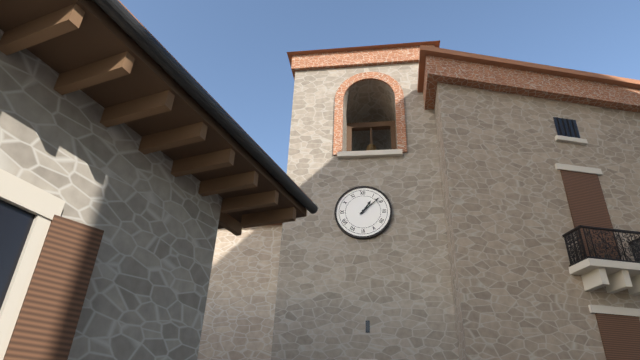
1:08
